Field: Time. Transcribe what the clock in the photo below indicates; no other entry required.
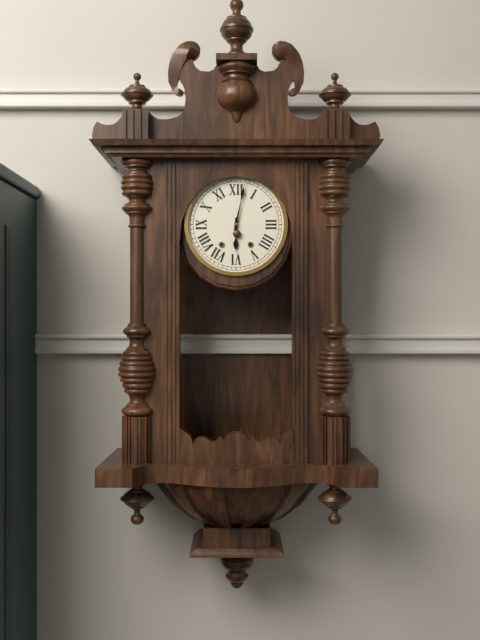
6:02
